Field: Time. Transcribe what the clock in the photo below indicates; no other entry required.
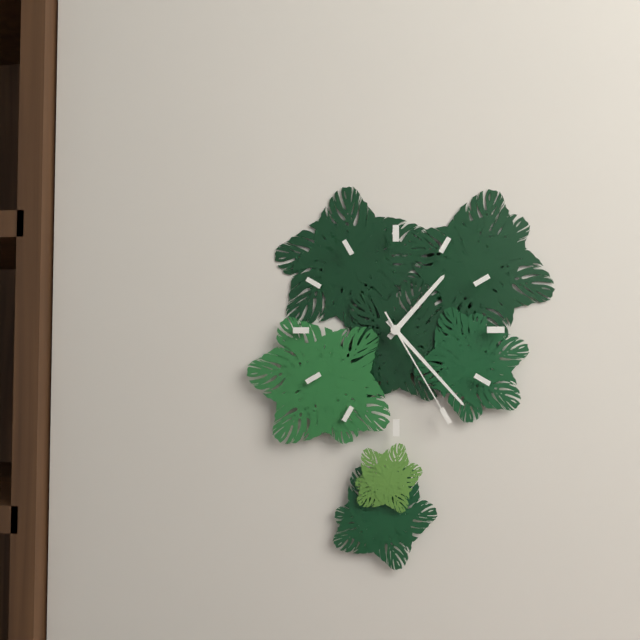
1:23:25
